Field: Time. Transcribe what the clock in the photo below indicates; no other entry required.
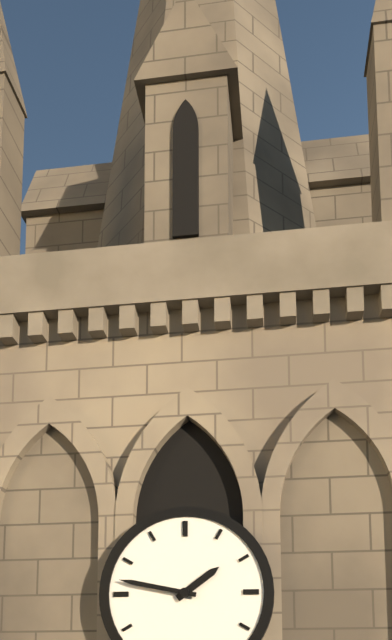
1:47
